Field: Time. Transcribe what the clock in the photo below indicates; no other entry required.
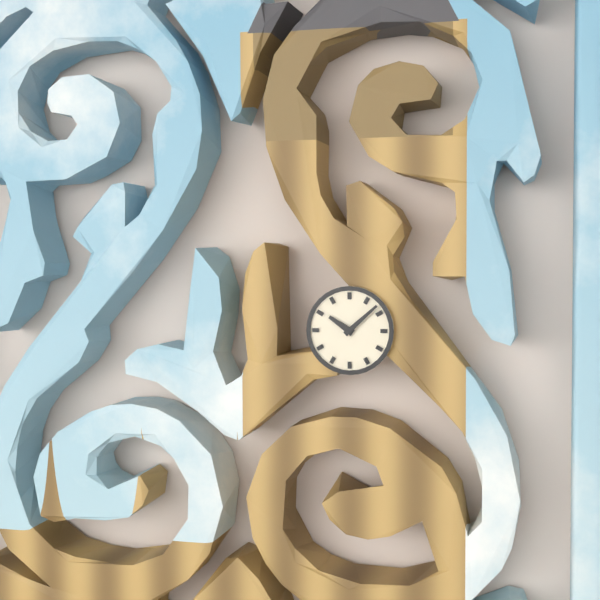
10:08
